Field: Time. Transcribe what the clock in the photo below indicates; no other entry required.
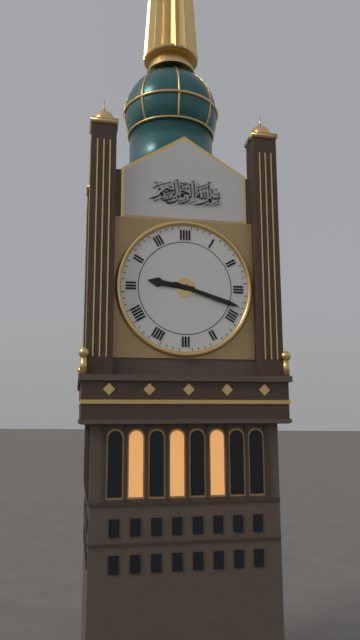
9:18
